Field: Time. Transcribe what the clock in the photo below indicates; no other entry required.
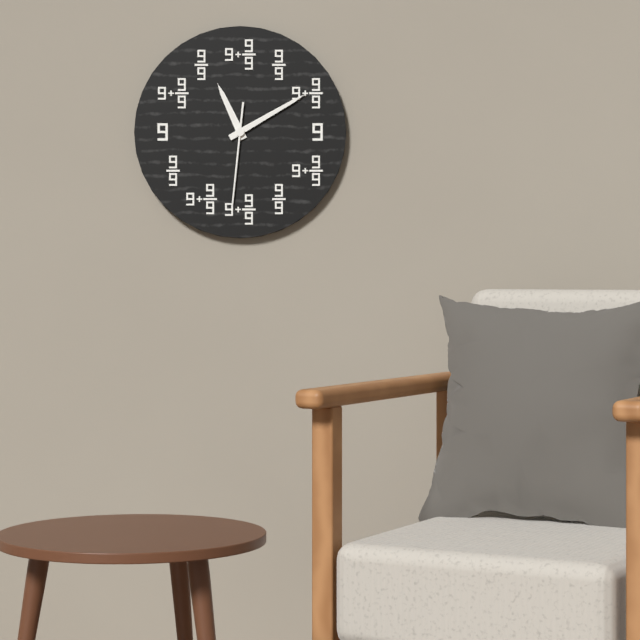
11:10:31
